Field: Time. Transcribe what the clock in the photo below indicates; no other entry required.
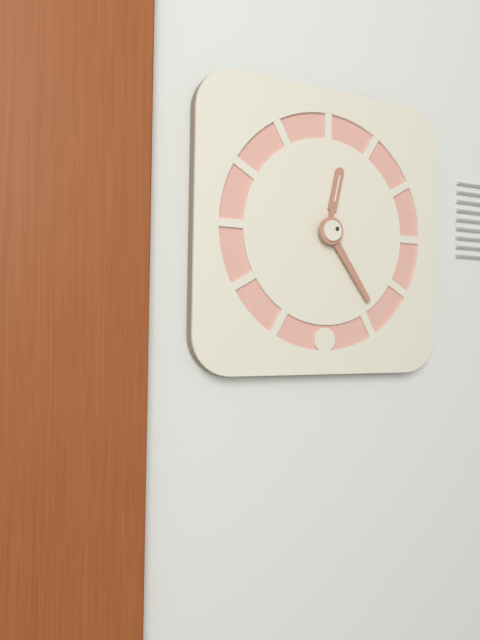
12:24
